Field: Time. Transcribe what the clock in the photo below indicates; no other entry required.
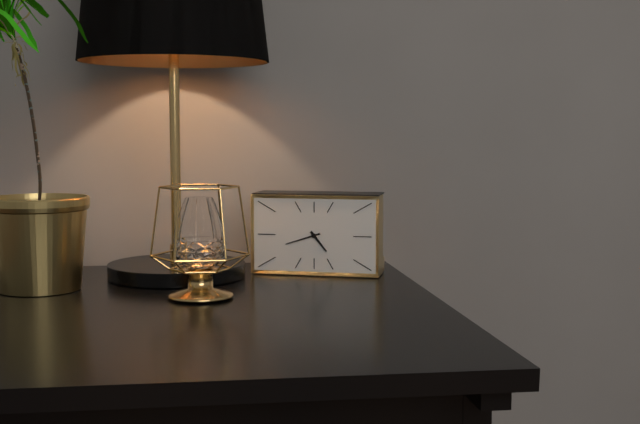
4:42
